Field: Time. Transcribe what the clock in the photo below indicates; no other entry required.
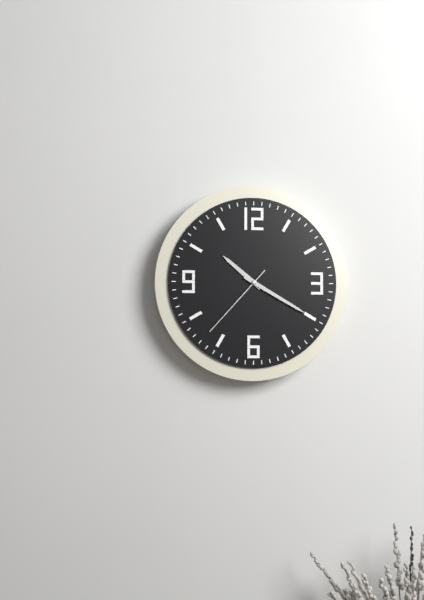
10:20:37
